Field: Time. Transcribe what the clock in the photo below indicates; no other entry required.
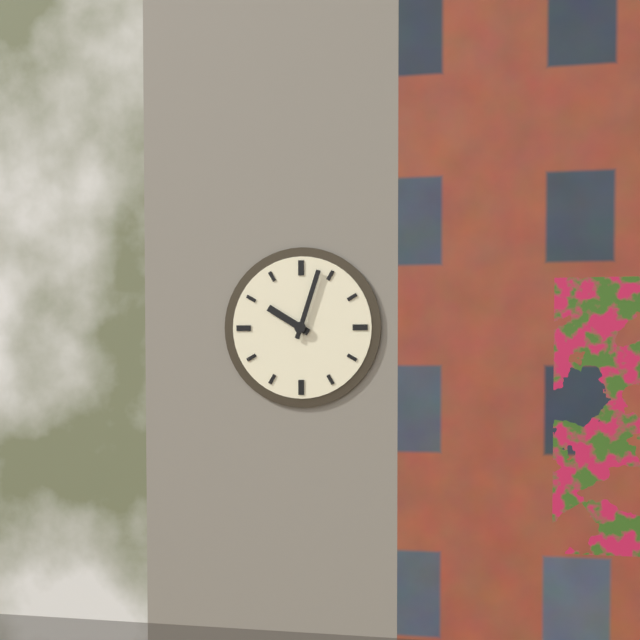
10:03
